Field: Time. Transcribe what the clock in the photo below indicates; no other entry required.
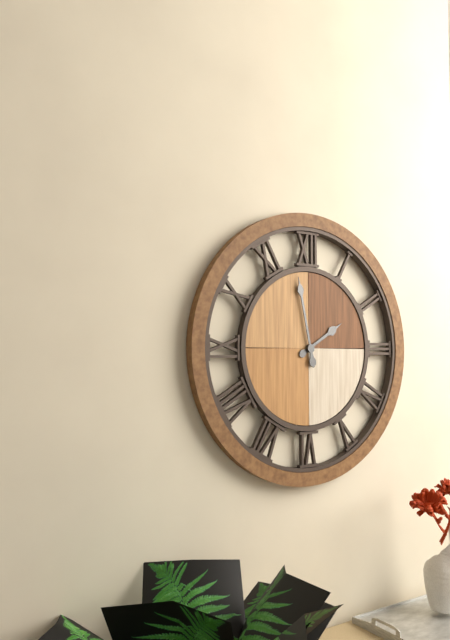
1:58
